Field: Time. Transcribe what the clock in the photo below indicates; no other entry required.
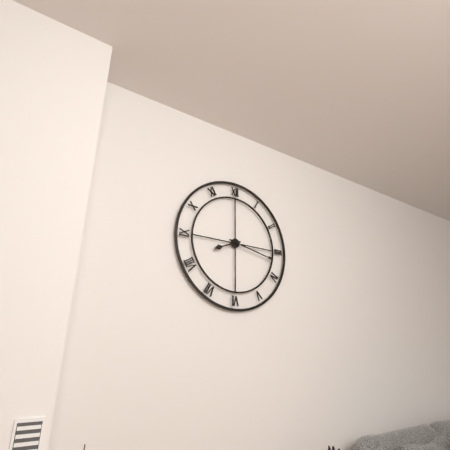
8:17
